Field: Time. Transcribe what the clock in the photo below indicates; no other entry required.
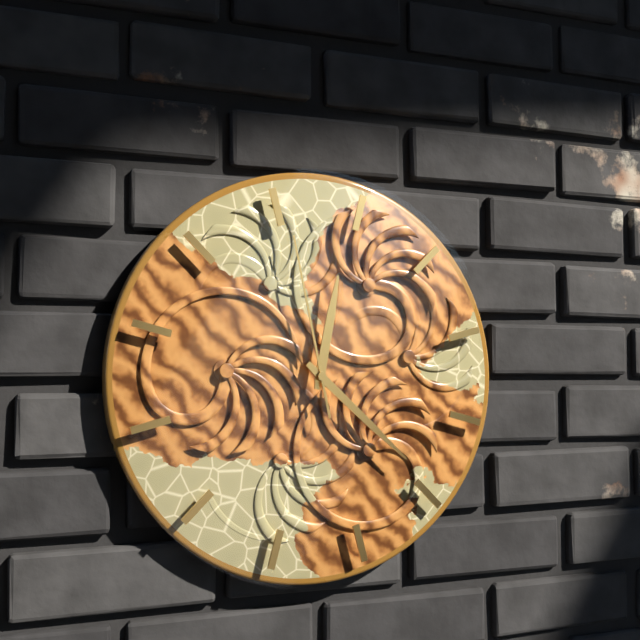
12:22:58
